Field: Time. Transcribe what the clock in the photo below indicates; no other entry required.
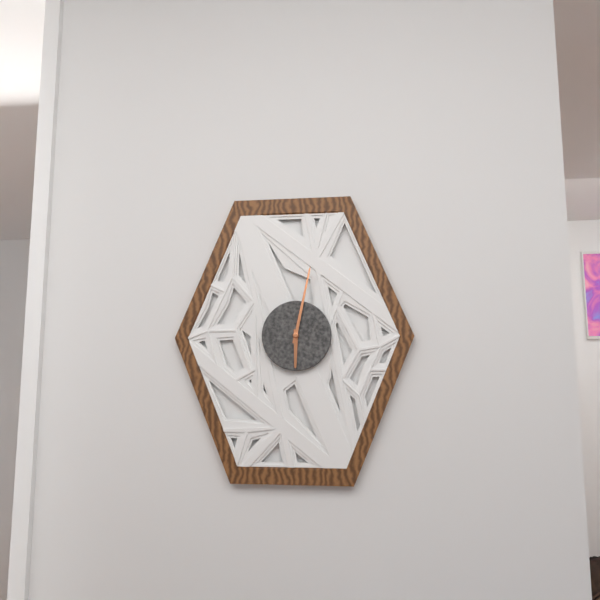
6:02
